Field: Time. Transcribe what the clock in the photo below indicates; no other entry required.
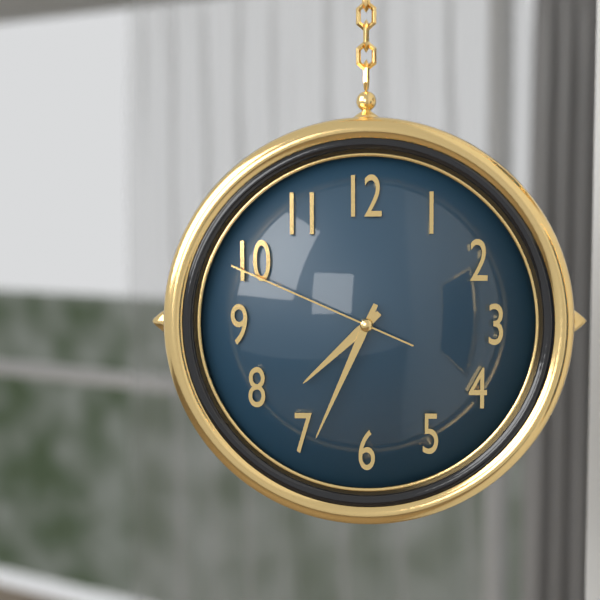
7:34:49
